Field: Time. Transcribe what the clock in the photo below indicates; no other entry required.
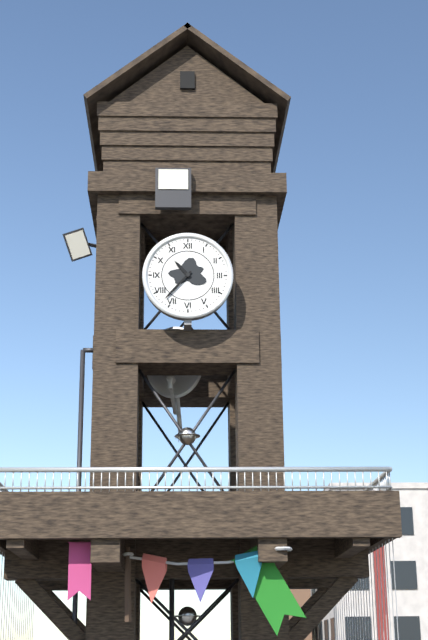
10:37
